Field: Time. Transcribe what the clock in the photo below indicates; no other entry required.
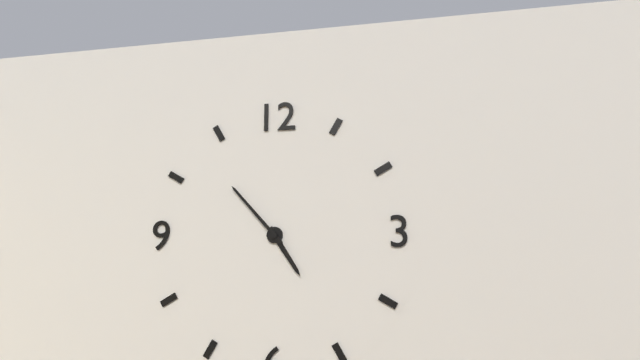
4:53
